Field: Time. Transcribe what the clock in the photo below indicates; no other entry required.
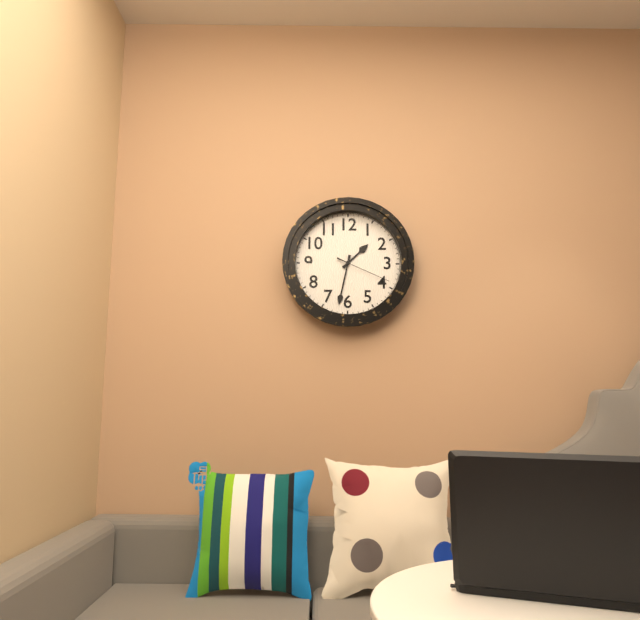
1:32:19
